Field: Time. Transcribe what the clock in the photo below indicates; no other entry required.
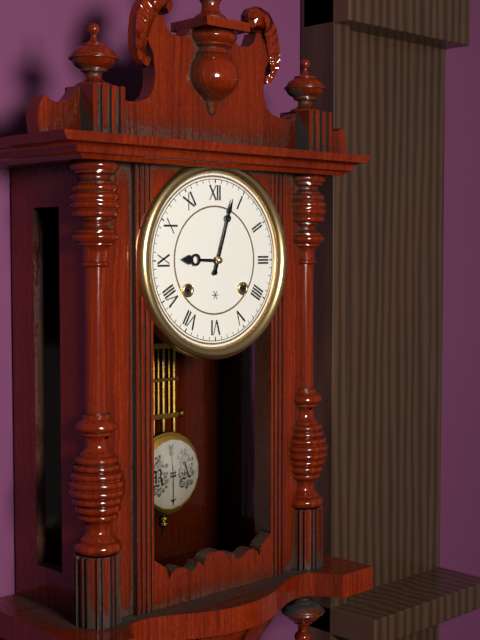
9:03
